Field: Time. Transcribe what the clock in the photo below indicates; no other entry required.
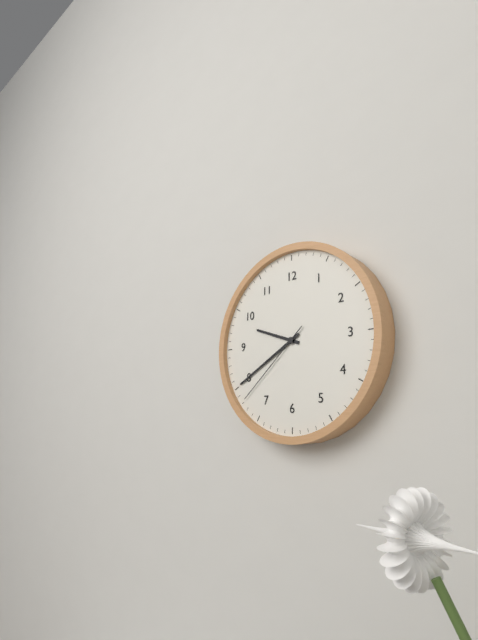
9:40:38
